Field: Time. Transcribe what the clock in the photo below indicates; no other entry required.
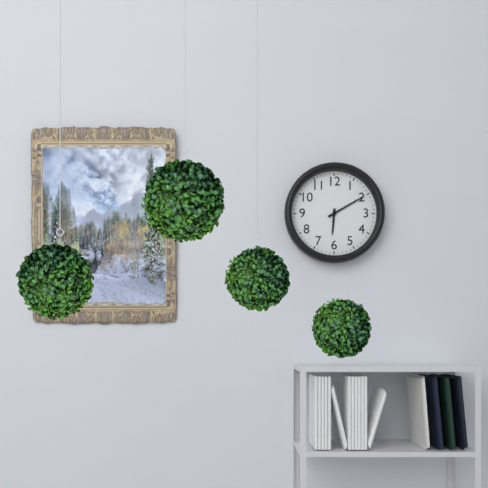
6:10
